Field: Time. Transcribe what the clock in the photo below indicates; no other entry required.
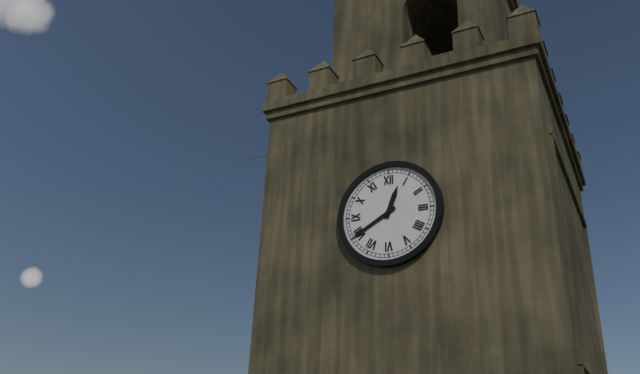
12:40
